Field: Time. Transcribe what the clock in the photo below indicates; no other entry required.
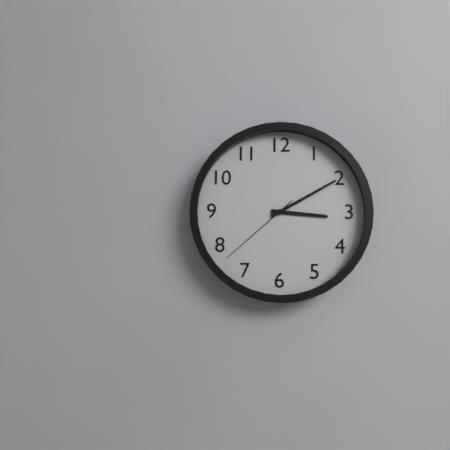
3:10:38
